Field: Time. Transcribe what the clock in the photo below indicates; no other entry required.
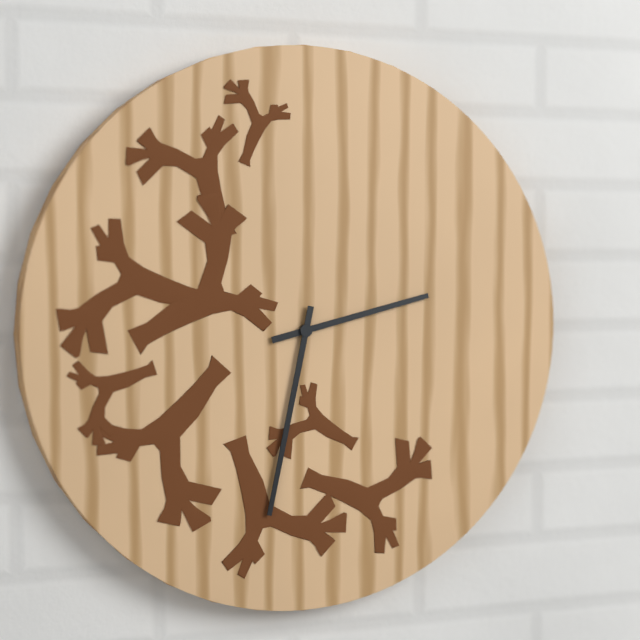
2:32
